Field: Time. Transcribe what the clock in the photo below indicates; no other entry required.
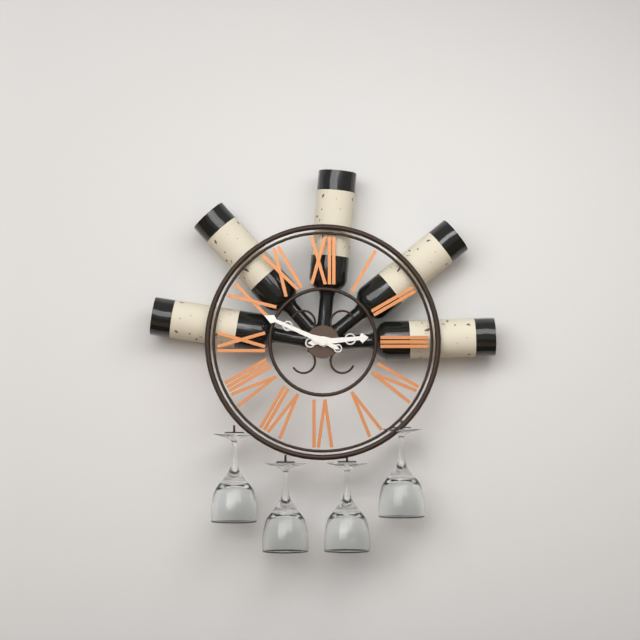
2:49
